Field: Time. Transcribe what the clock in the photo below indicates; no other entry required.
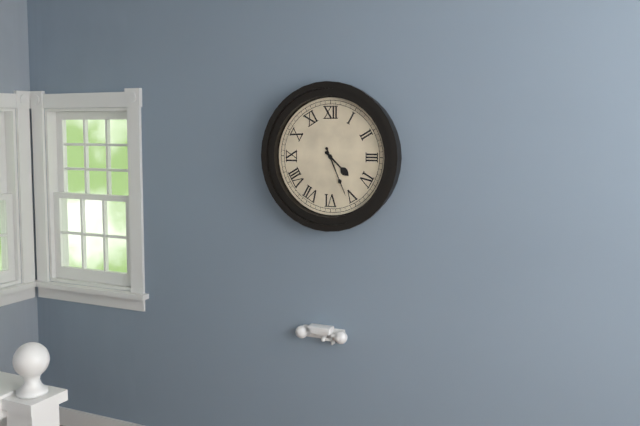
4:26
